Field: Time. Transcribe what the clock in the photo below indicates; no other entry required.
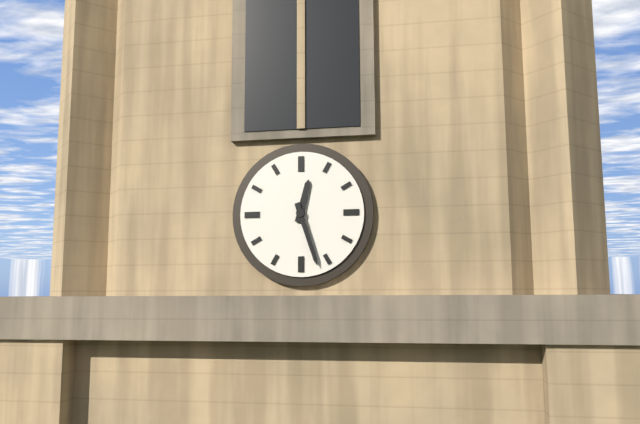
12:27
